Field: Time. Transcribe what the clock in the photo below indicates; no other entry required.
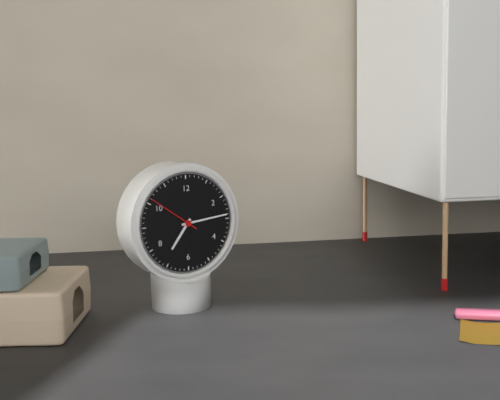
7:14:51
